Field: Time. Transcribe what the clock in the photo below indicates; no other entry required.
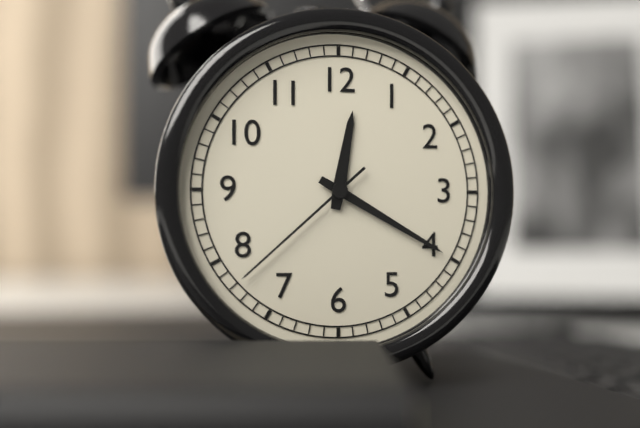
12:20:38
